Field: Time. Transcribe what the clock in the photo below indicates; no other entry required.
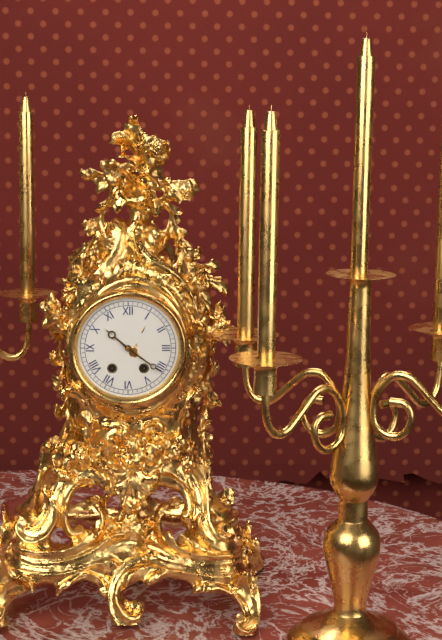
10:21
